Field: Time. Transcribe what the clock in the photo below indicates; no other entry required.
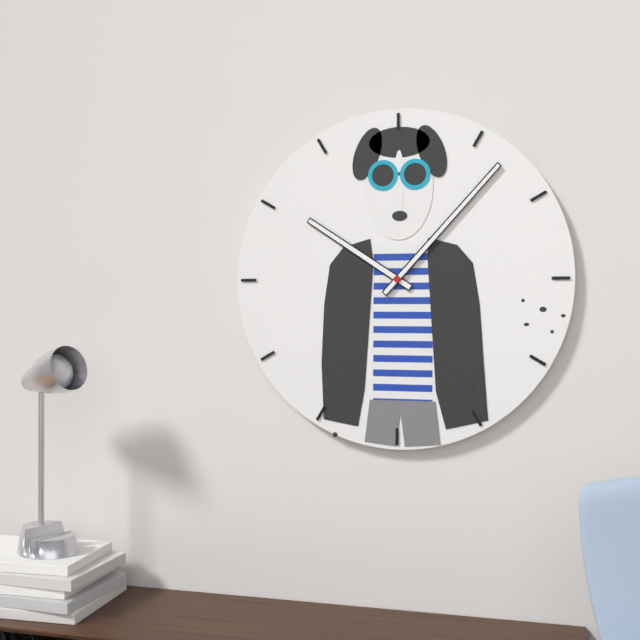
10:07
